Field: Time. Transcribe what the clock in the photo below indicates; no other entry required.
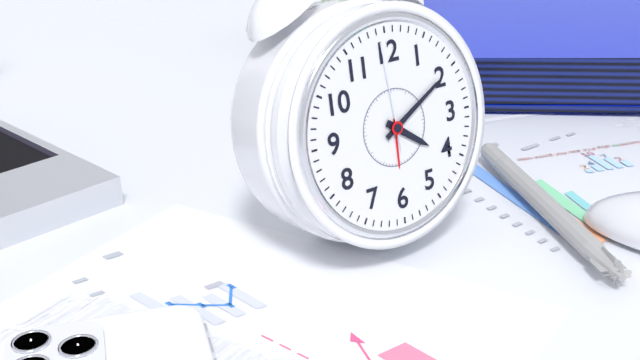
4:10:59
